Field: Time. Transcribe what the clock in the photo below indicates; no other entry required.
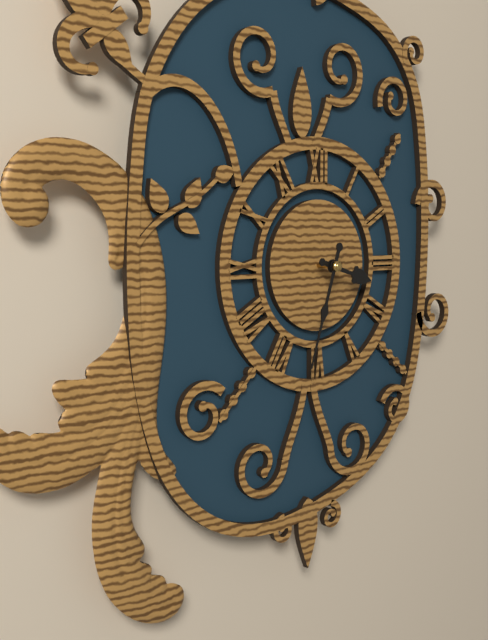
3:33
